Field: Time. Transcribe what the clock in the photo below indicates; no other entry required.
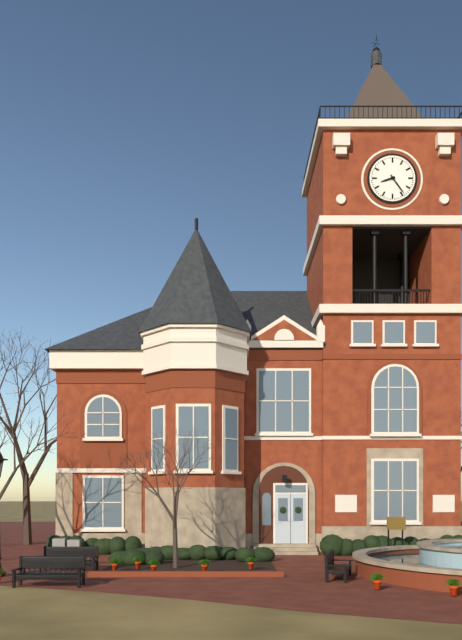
8:24
